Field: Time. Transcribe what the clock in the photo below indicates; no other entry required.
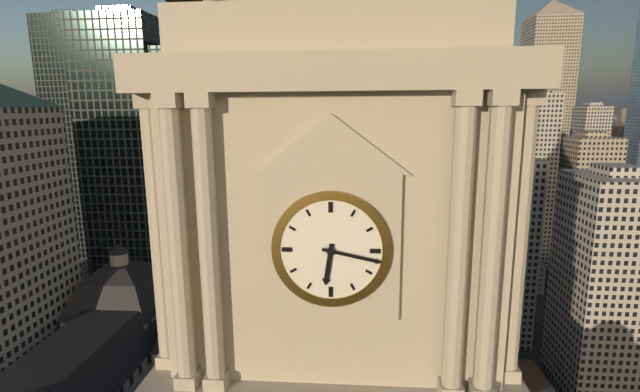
6:17
